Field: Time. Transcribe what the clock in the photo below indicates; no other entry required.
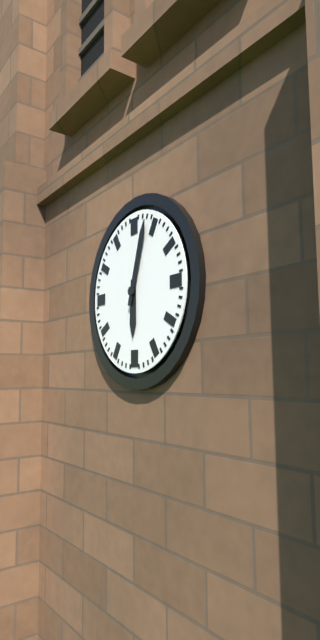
6:03
